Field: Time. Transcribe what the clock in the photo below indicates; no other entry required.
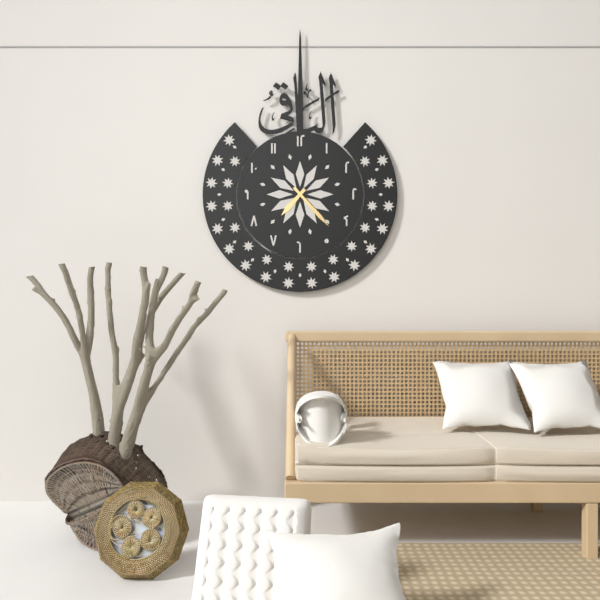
7:23
